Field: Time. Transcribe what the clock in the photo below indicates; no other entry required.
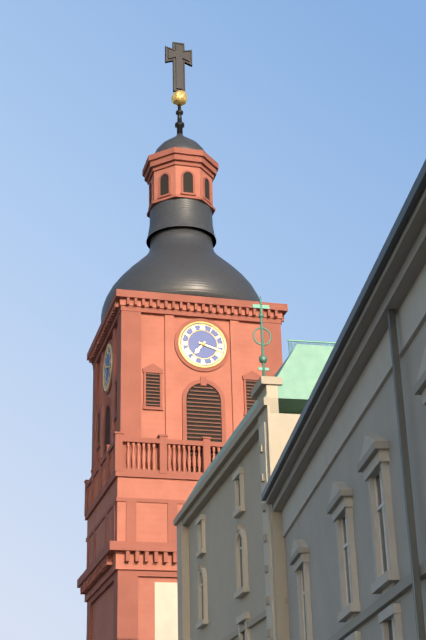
7:18
